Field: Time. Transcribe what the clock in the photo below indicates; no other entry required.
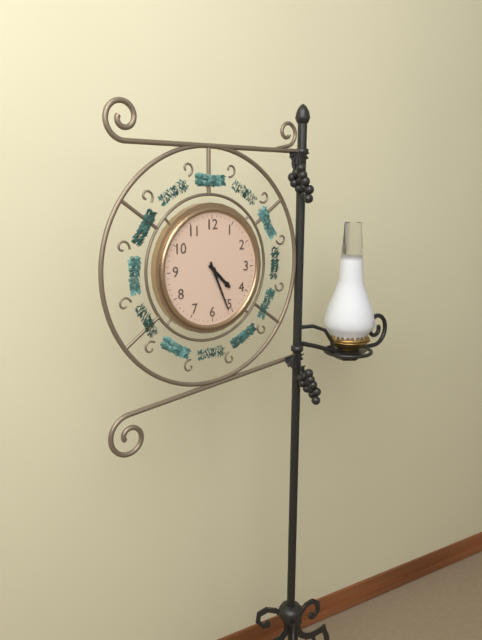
4:26
